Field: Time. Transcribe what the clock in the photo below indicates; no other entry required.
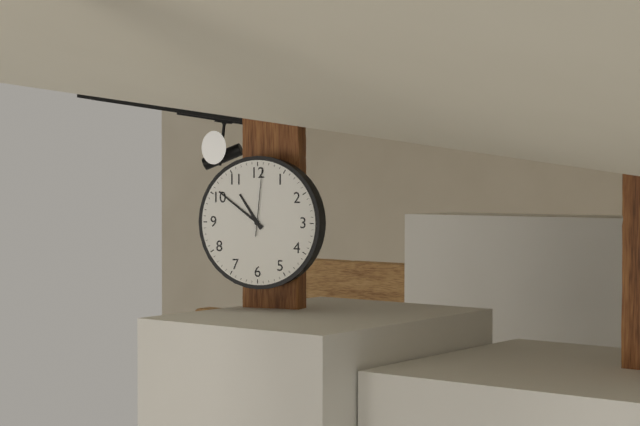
10:51:01
